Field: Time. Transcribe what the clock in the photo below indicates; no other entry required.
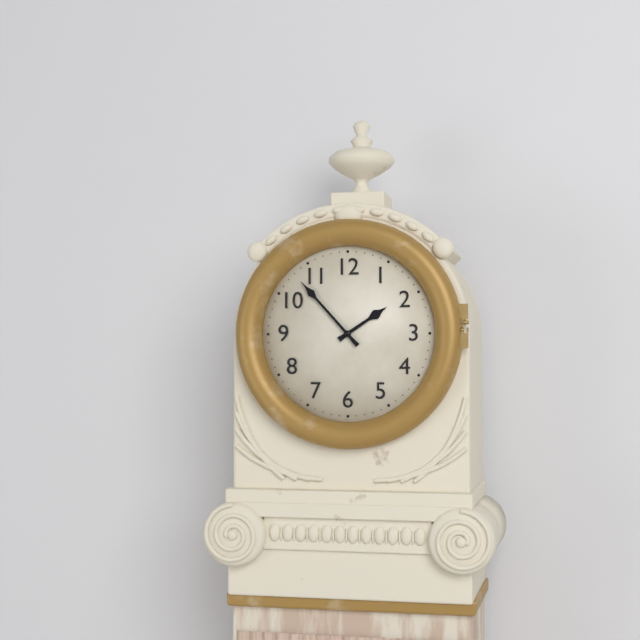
1:53
